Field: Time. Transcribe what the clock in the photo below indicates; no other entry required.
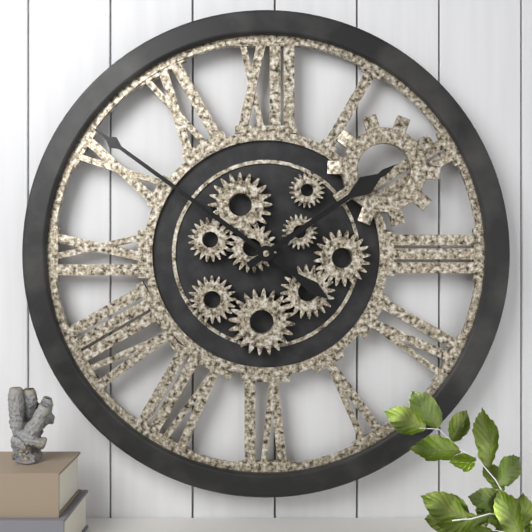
1:51
